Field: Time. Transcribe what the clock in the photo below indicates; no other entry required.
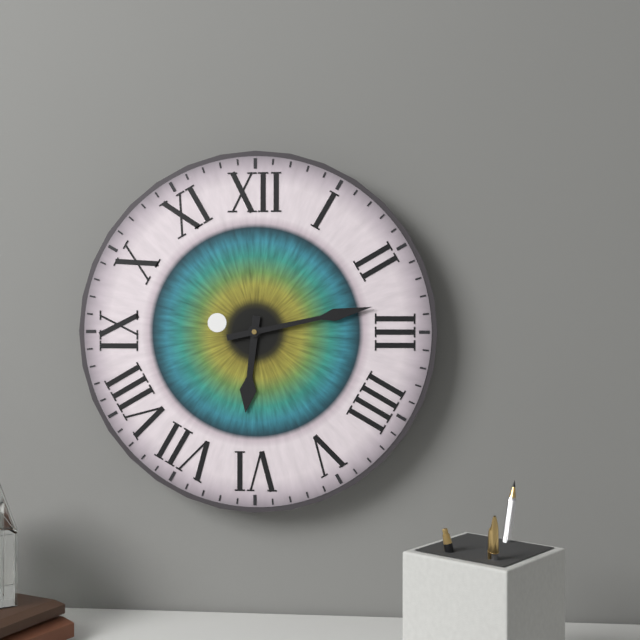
6:13
